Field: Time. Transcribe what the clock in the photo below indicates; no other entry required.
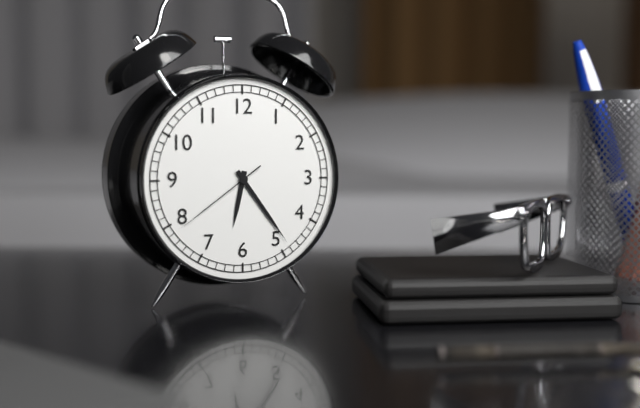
6:24:39
